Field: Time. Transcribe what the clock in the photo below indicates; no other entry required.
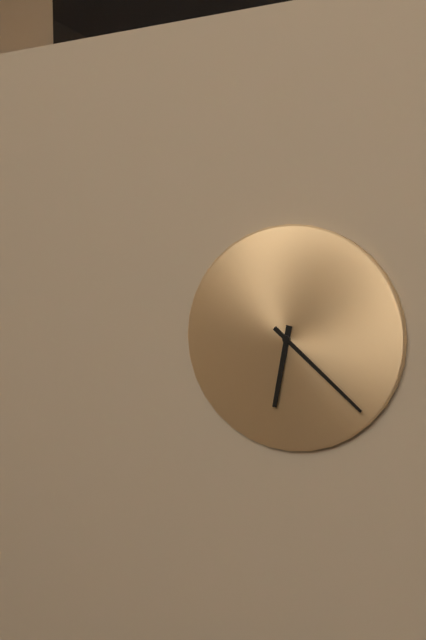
6:22
